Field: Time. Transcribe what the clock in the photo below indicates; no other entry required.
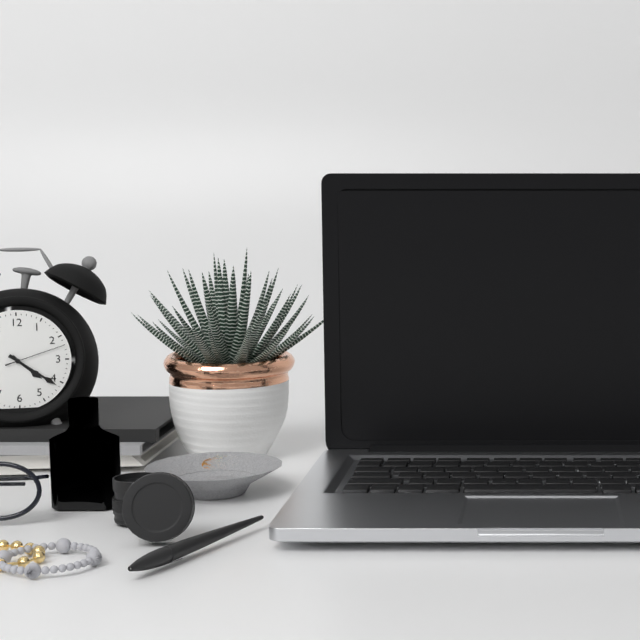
4:21:12
